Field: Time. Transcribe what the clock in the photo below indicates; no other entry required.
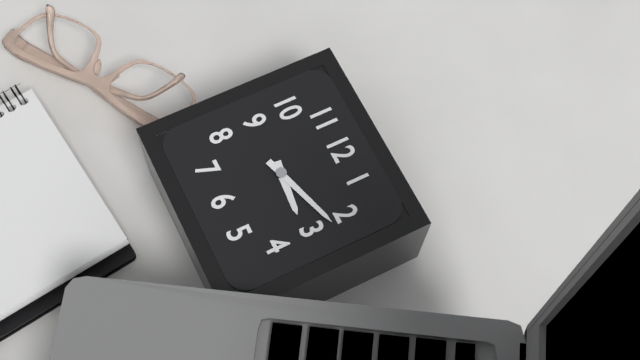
3:12
